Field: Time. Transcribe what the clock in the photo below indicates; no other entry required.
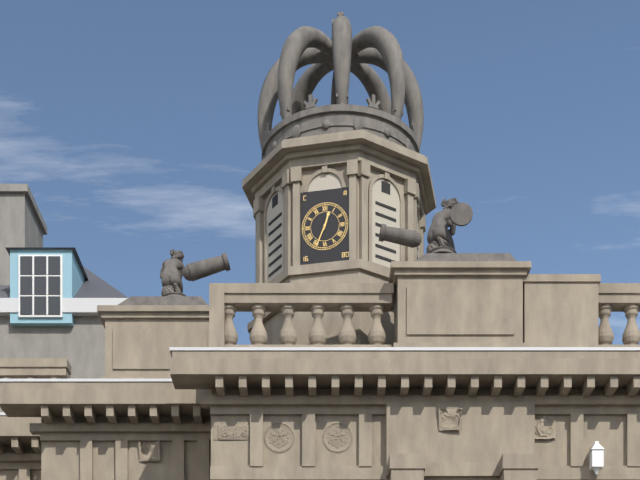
12:34
